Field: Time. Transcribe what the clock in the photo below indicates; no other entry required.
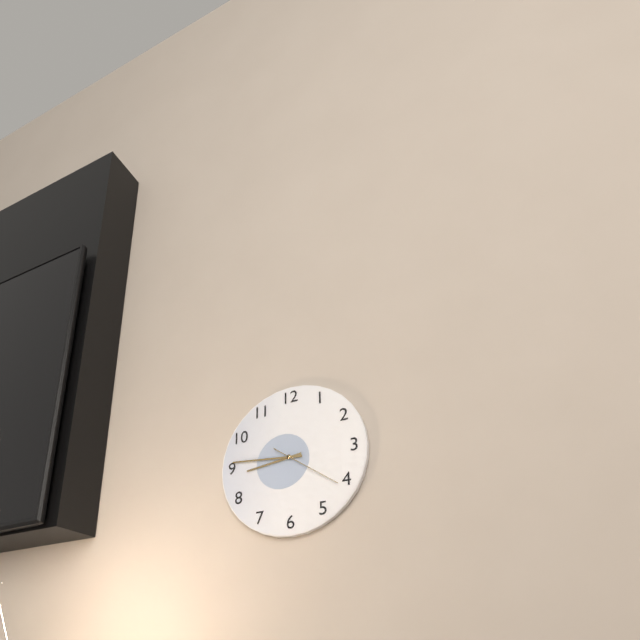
8:46:21
